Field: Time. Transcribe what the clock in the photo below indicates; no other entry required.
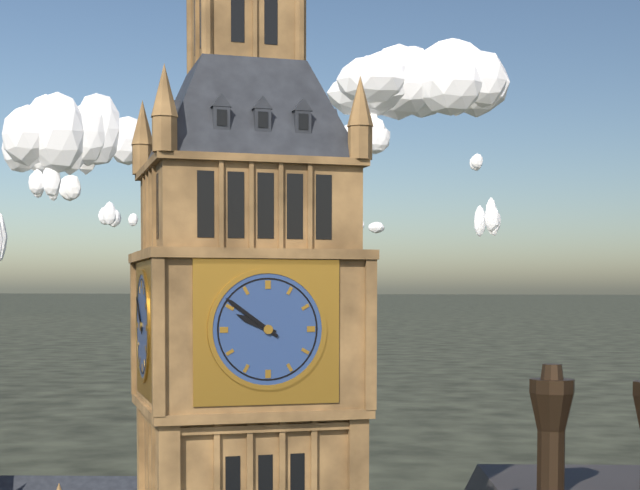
9:51
